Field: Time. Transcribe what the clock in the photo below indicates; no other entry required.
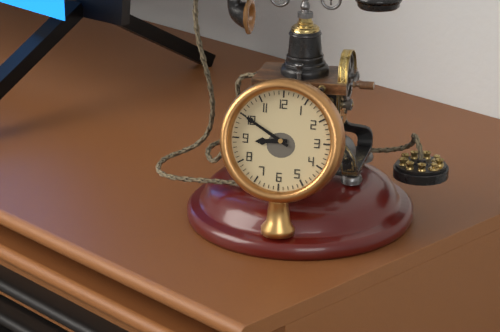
8:50
